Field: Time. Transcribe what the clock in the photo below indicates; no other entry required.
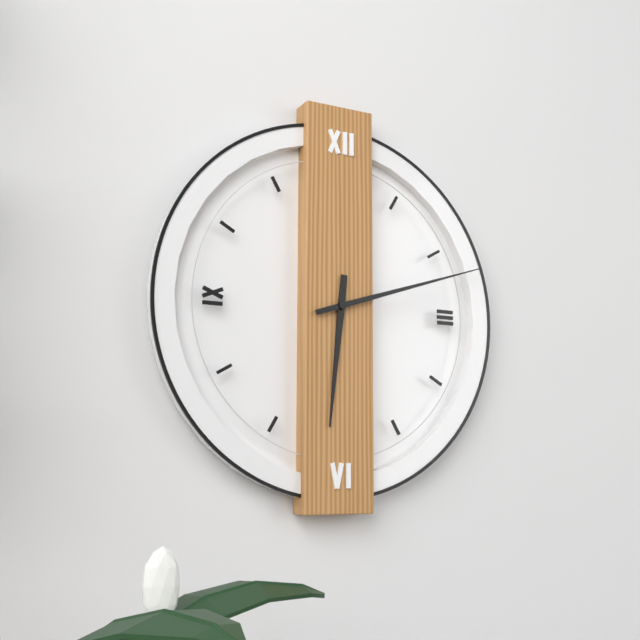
6:12
